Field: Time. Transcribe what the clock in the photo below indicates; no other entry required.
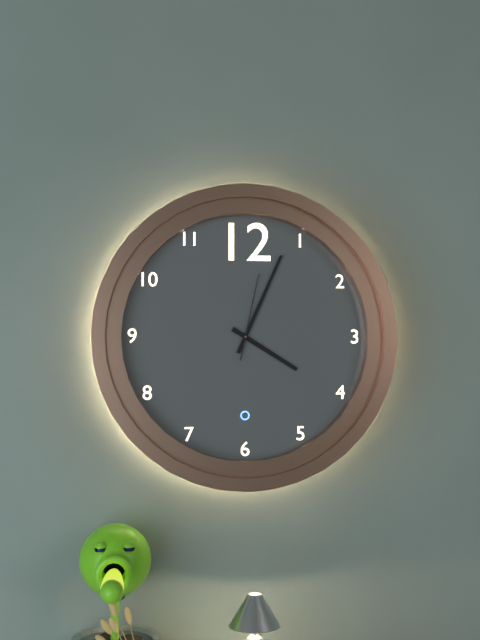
4:04:02
